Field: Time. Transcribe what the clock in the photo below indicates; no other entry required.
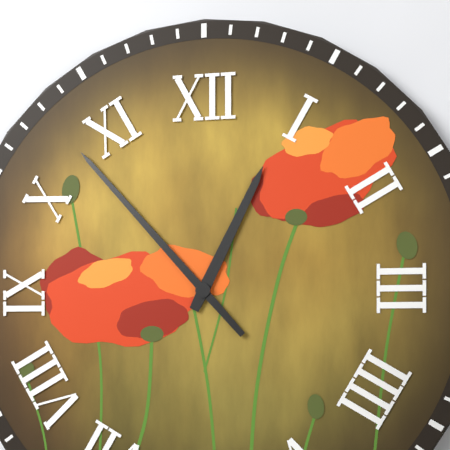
12:53
